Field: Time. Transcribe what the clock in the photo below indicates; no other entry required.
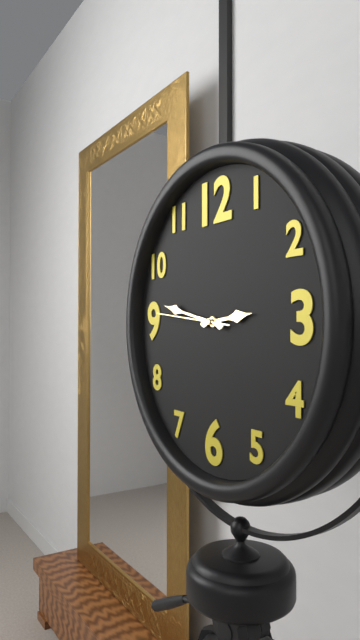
2:47:46
